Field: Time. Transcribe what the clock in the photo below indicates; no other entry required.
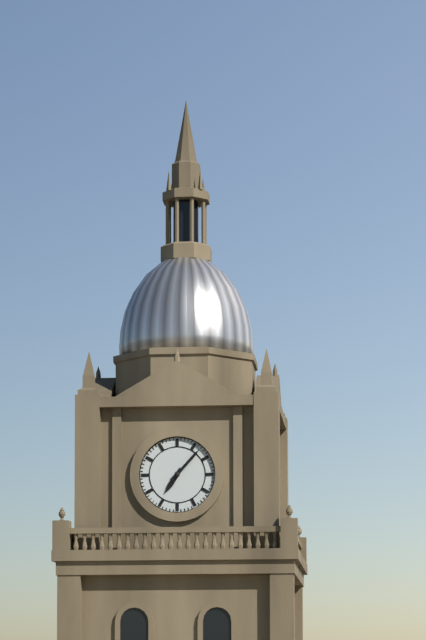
7:07
